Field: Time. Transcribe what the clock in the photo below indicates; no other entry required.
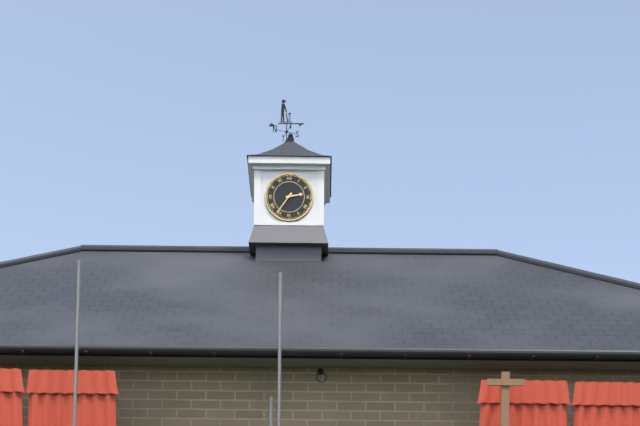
2:36
